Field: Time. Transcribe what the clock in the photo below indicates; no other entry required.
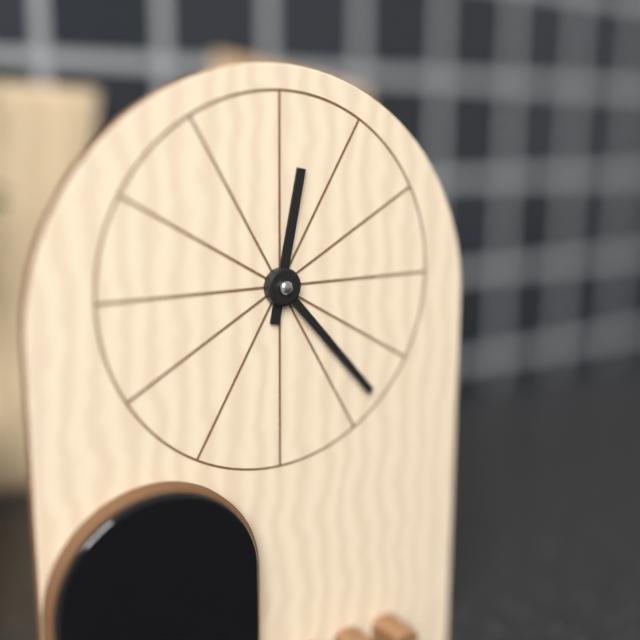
12:23
